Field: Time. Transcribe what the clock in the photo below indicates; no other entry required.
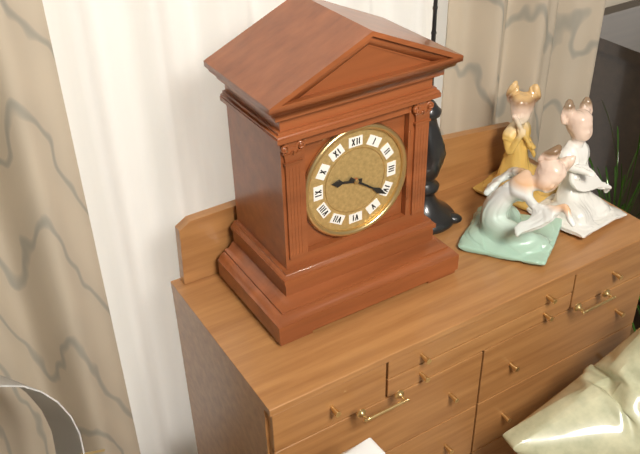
9:21
